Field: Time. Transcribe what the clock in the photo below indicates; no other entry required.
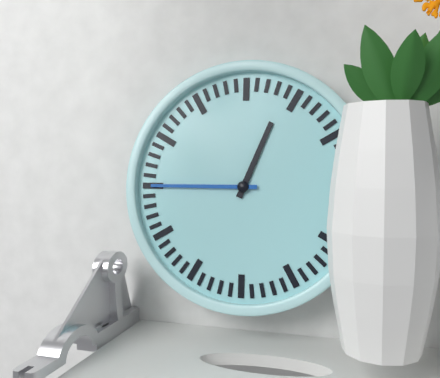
12:45
